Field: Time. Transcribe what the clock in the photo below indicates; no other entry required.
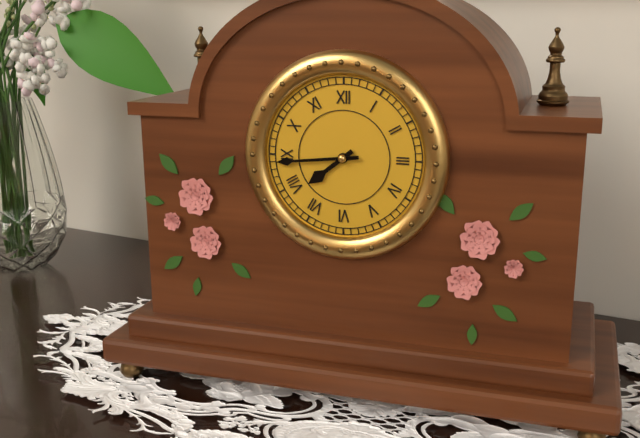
7:44
